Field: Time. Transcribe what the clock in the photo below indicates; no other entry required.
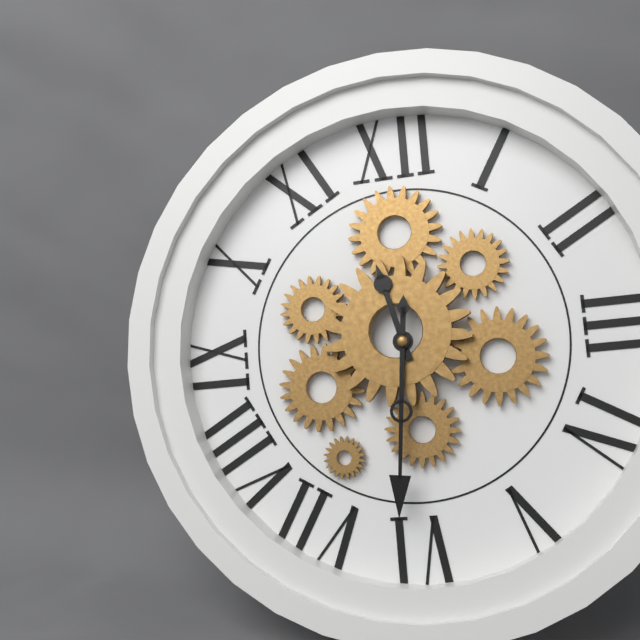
11:31
